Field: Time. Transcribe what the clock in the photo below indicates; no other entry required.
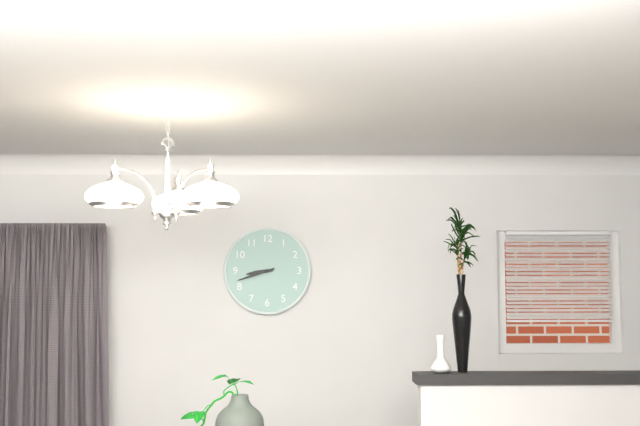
8:42
